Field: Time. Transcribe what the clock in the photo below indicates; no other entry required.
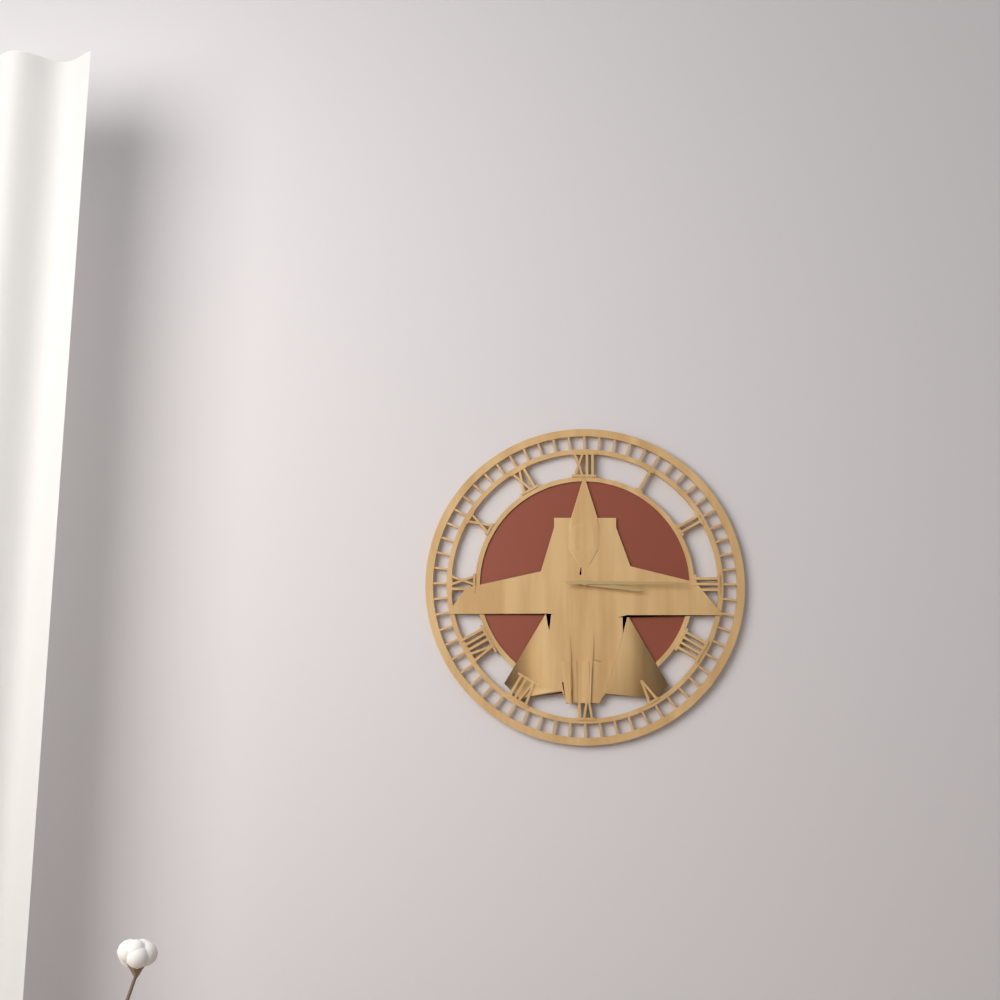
3:15
